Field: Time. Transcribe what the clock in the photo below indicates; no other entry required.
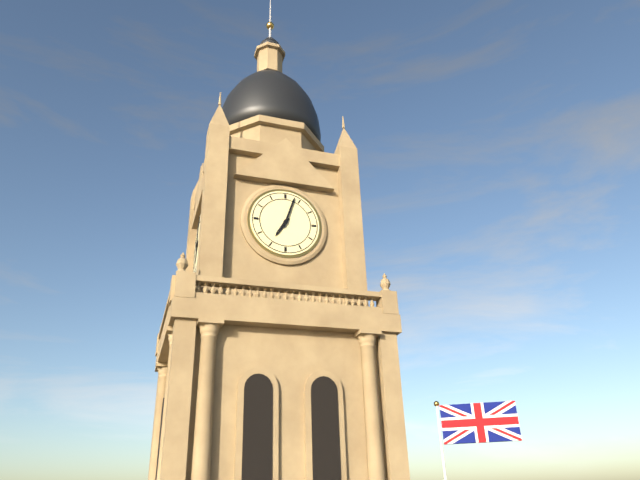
7:03
